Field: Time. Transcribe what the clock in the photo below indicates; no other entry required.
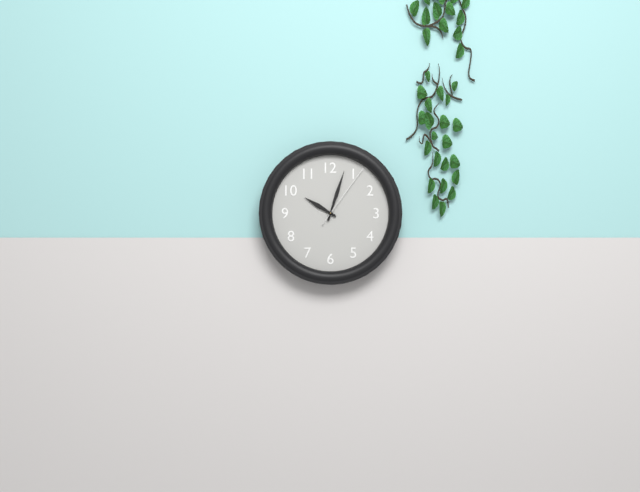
10:03:06
